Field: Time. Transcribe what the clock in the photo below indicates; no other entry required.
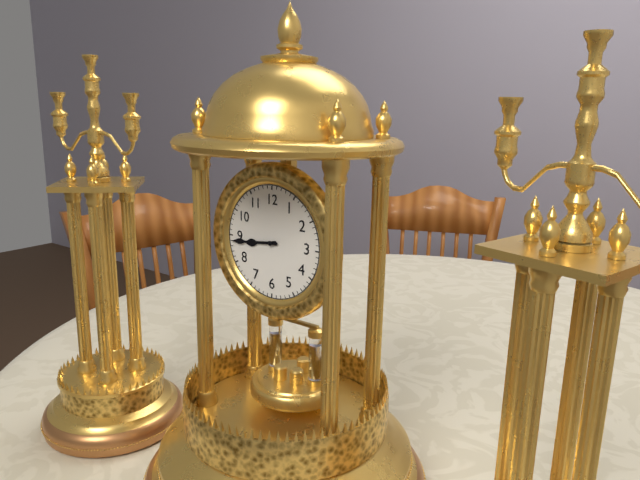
8:44
